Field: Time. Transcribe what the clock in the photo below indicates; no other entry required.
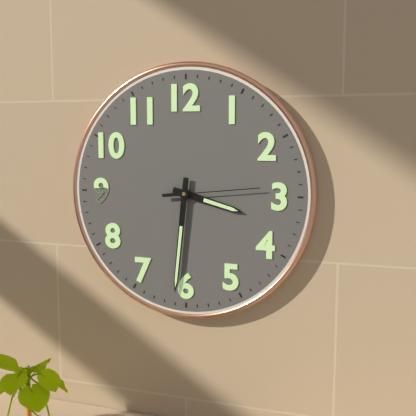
3:31:14
